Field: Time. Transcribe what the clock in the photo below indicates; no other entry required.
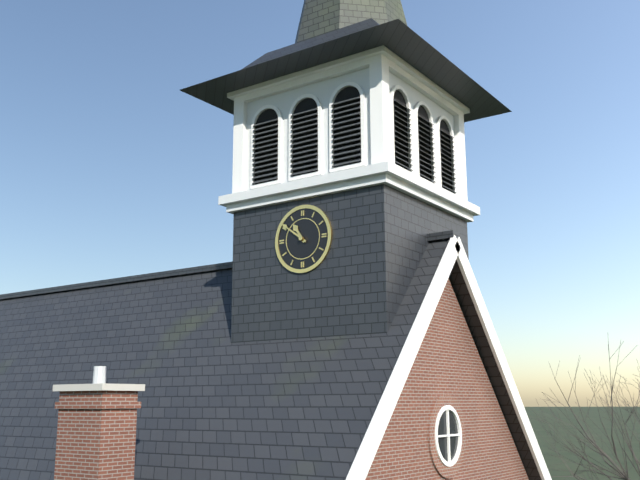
10:51
